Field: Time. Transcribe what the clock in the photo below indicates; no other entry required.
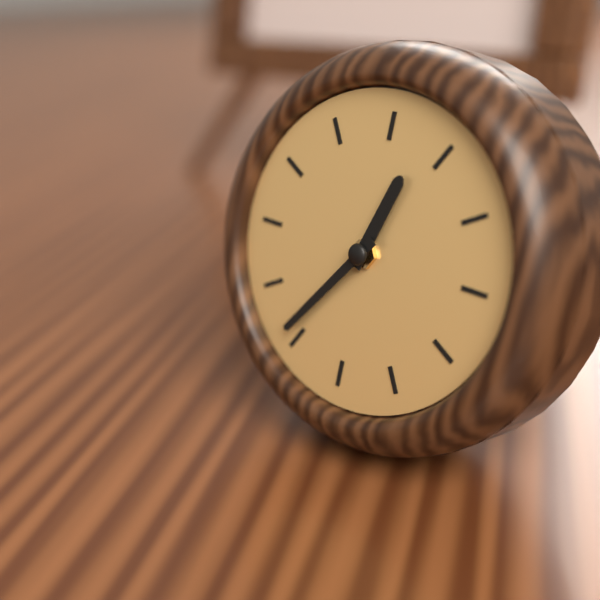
12:36
